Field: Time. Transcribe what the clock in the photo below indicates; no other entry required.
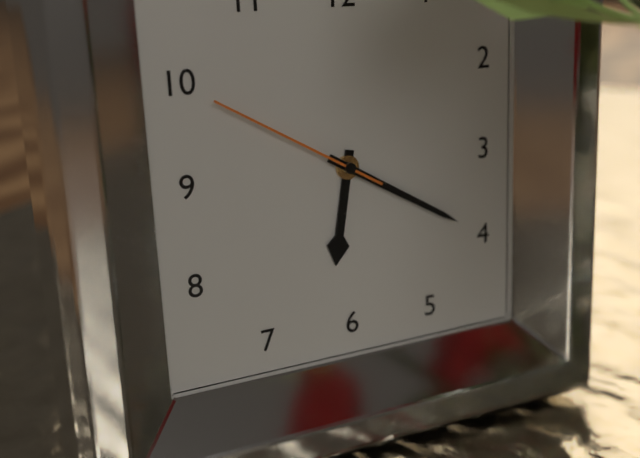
6:20:50
